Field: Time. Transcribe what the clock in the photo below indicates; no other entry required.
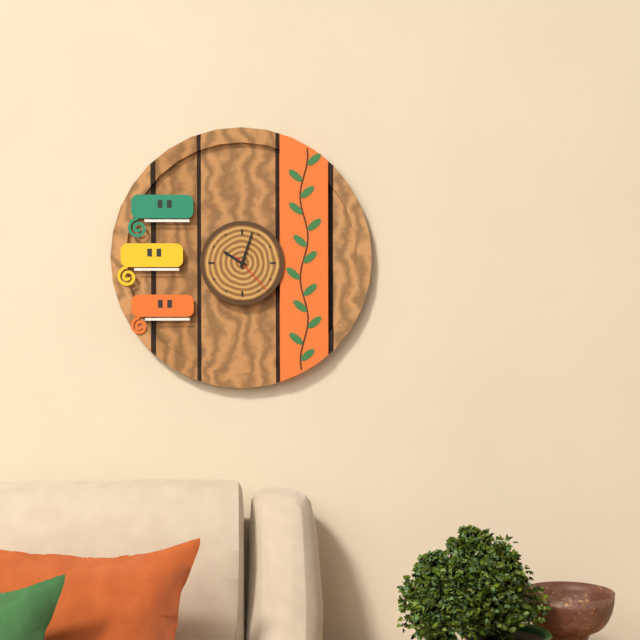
10:03
